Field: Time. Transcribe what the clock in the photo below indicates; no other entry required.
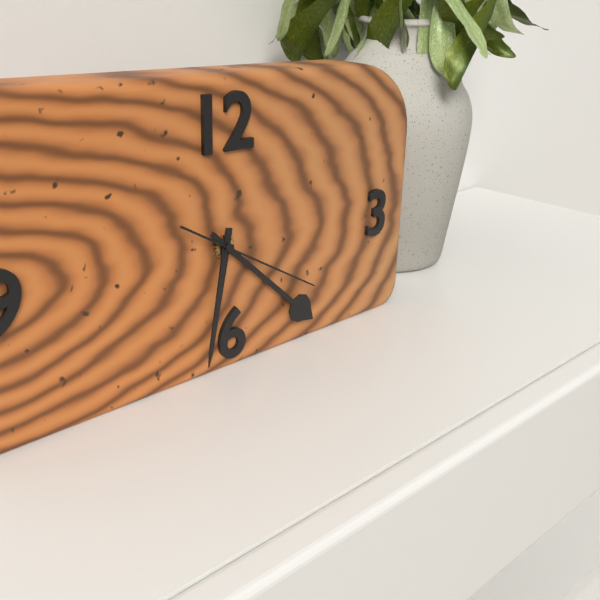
6:22:20
